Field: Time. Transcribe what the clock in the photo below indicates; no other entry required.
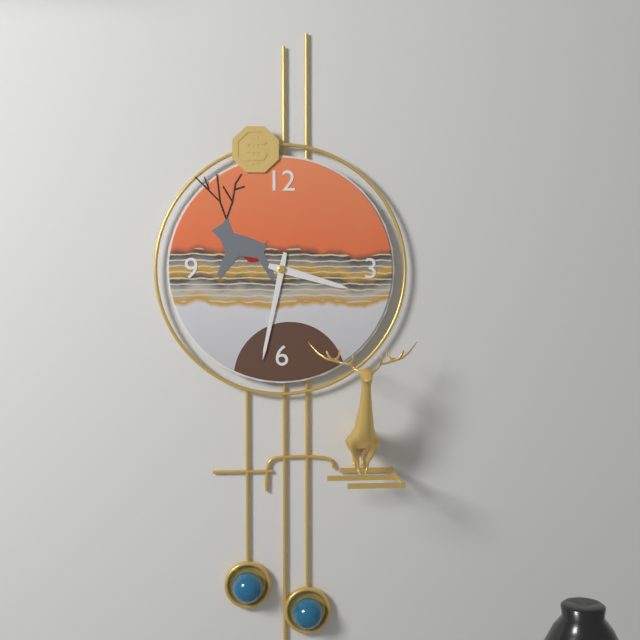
3:32
